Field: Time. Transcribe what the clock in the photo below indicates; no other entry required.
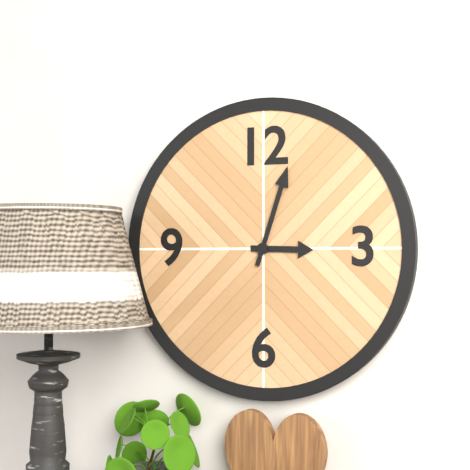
3:03
